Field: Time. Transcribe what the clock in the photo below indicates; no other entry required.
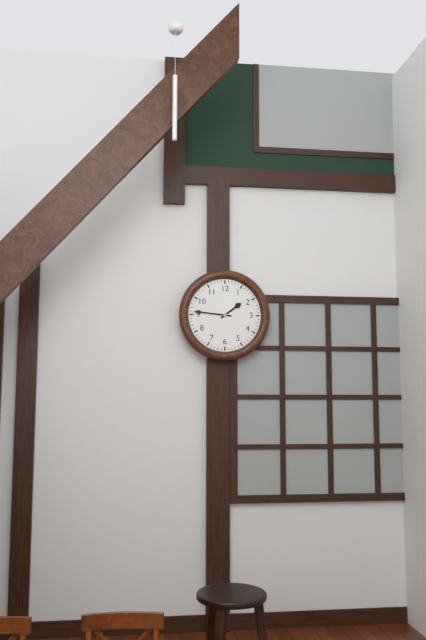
1:46
